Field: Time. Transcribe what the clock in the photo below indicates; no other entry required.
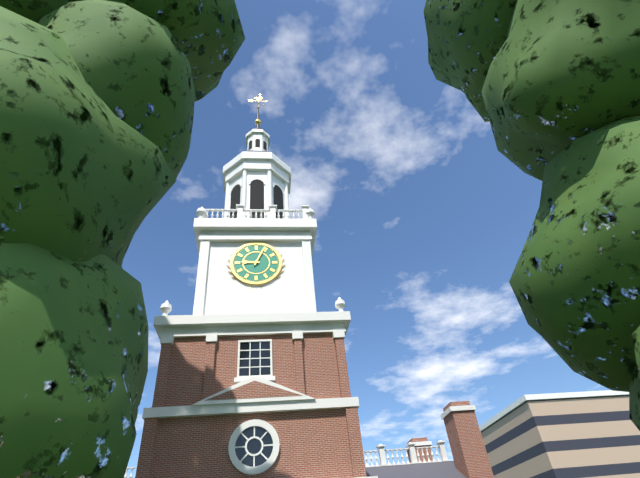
9:04
